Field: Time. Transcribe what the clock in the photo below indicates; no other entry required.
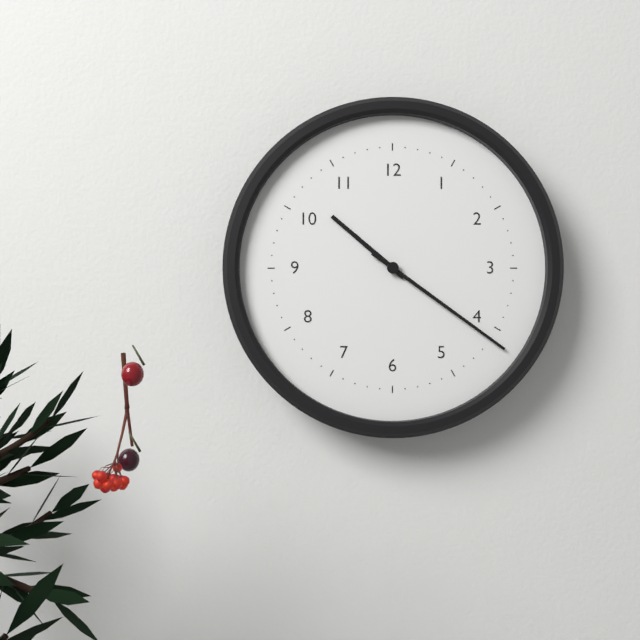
10:21
